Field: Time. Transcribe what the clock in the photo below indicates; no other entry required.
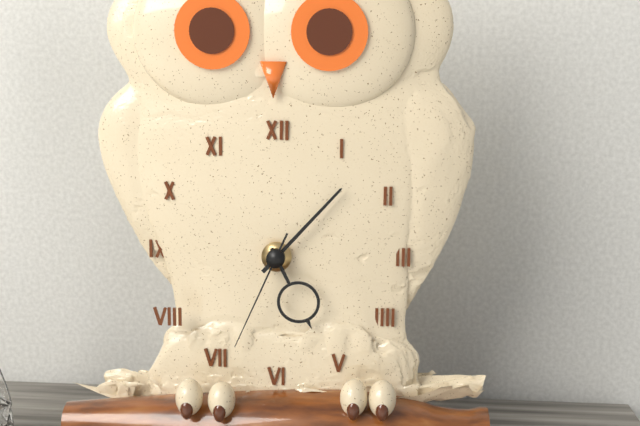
5:07:34
